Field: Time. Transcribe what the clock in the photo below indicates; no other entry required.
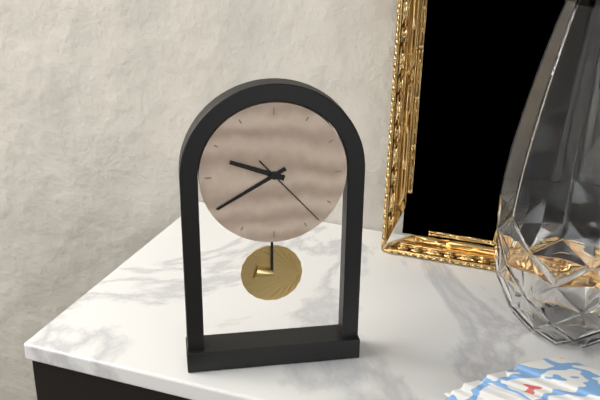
9:40:23
